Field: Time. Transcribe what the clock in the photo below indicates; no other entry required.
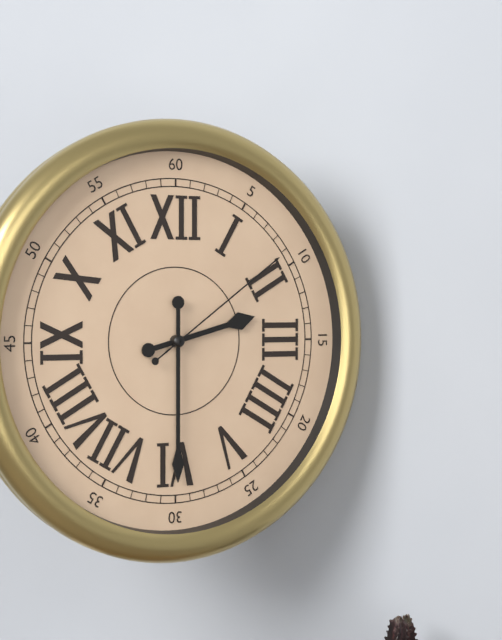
2:30:09
